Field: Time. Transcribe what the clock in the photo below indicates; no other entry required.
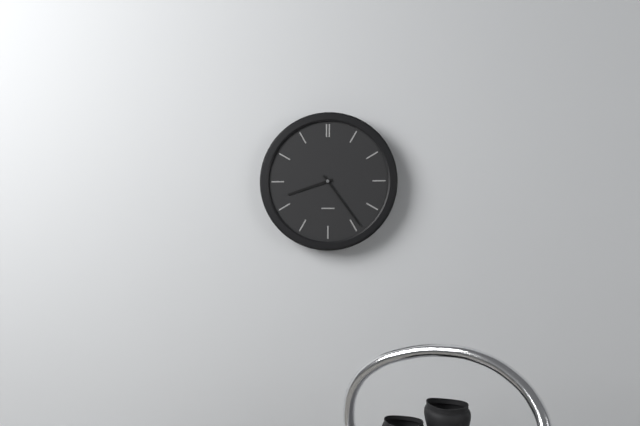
8:24
